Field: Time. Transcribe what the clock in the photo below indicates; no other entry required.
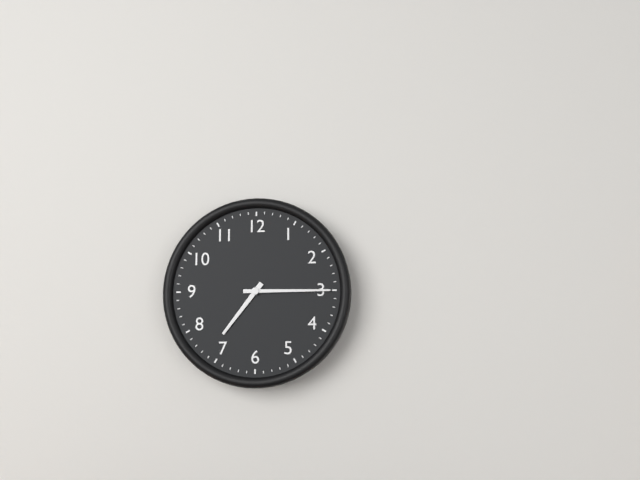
7:15
